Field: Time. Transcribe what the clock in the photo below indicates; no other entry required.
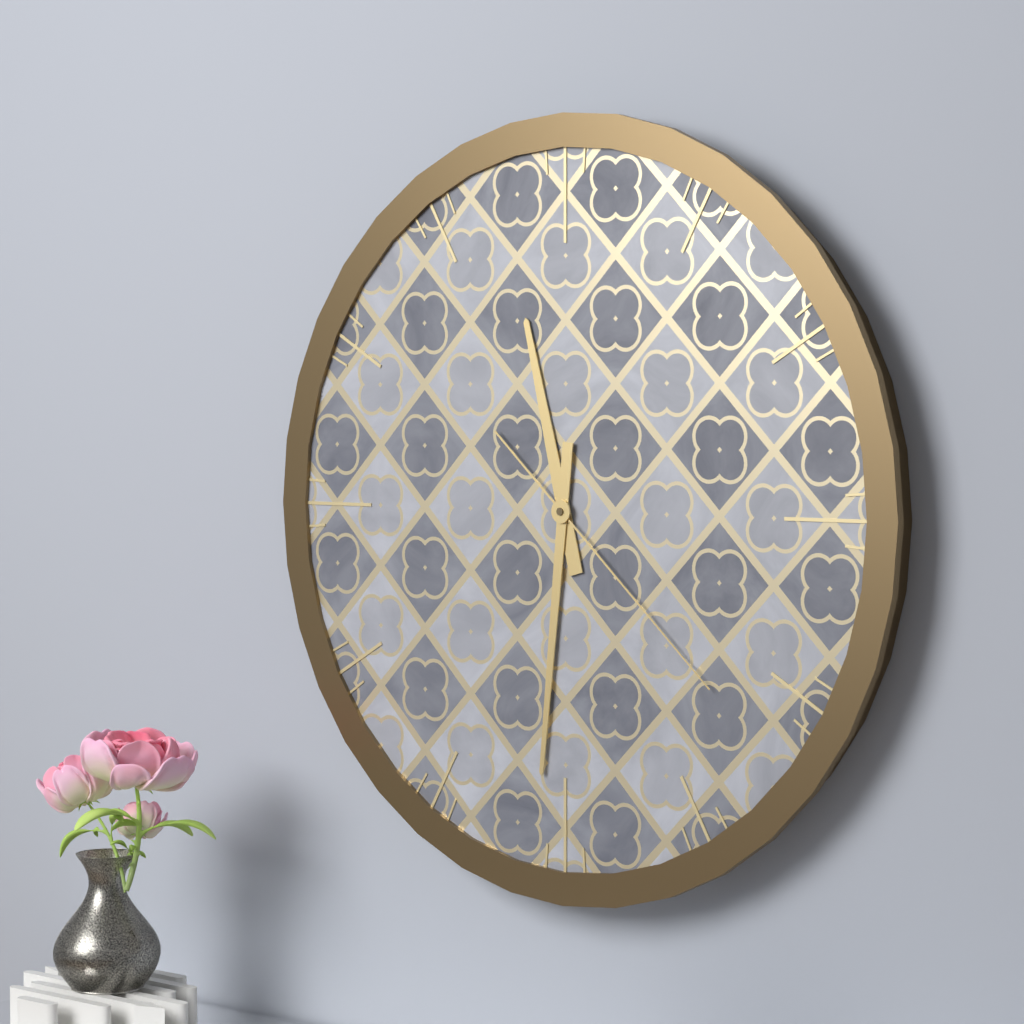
11:31:22
